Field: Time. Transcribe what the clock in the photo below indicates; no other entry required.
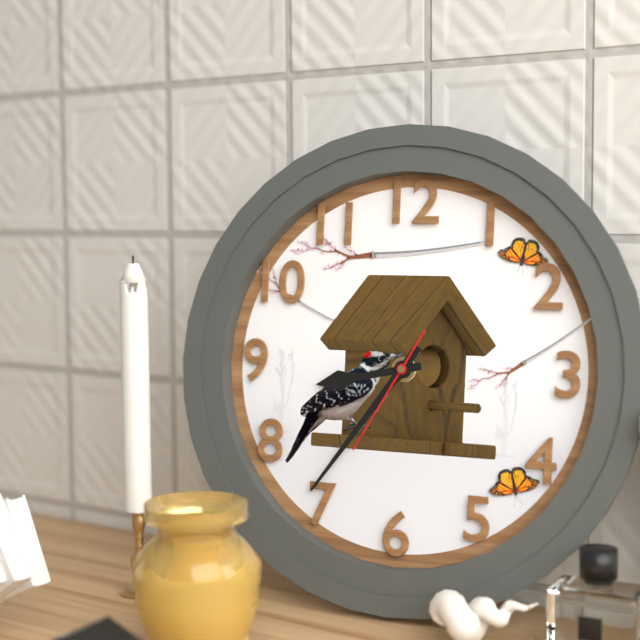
8:36:35
